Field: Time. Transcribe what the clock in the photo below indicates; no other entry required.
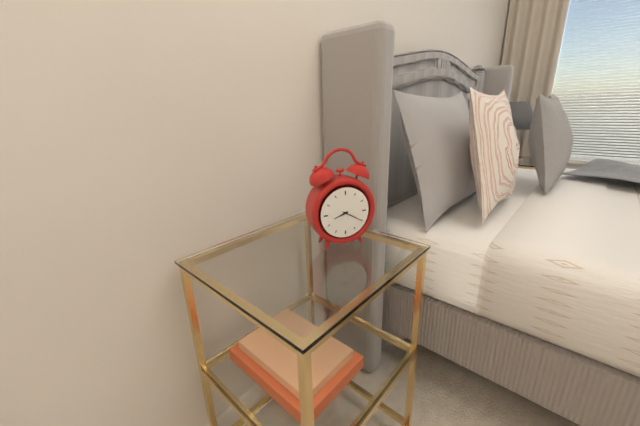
8:20
